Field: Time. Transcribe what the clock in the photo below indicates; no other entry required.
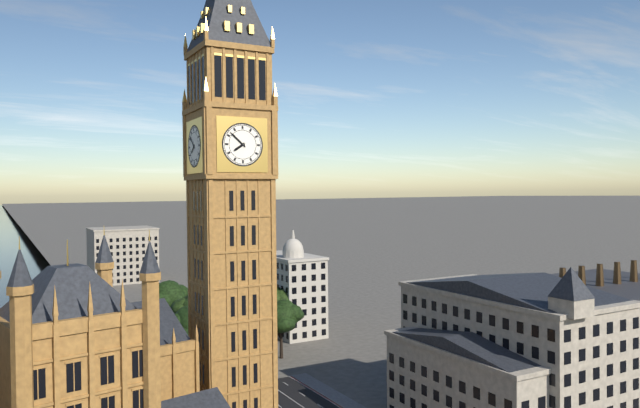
7:52
